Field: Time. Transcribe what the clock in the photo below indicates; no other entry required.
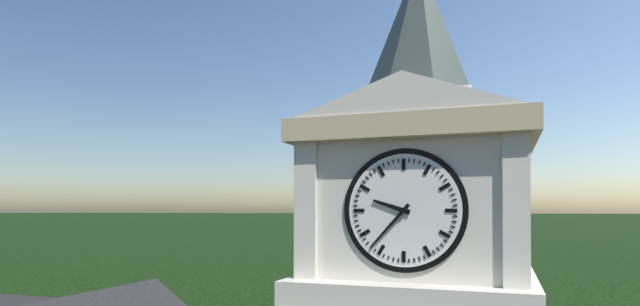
9:37
